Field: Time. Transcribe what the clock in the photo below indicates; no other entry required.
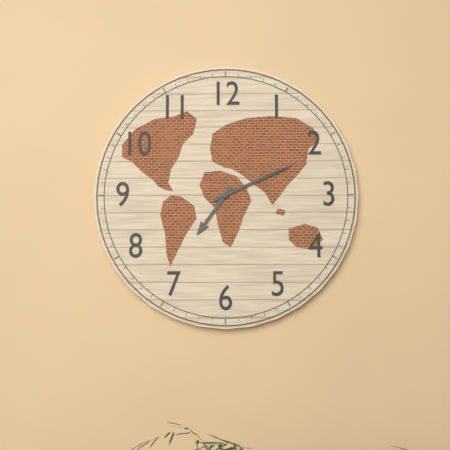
7:11
